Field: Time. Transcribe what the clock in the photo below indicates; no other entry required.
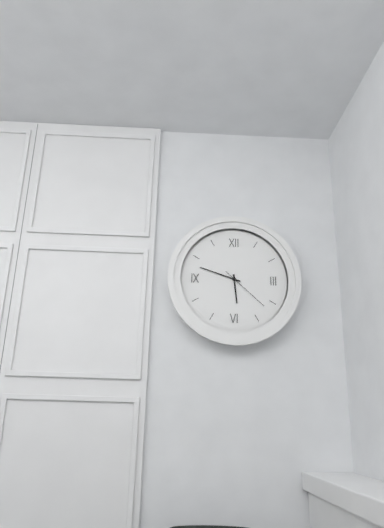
5:48:22
